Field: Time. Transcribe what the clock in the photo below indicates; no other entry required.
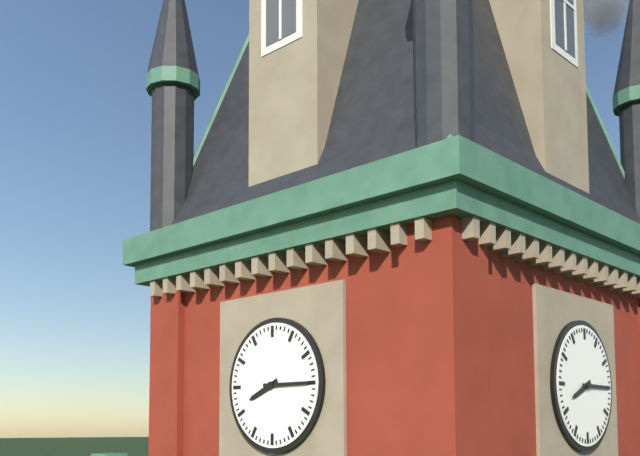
8:15
